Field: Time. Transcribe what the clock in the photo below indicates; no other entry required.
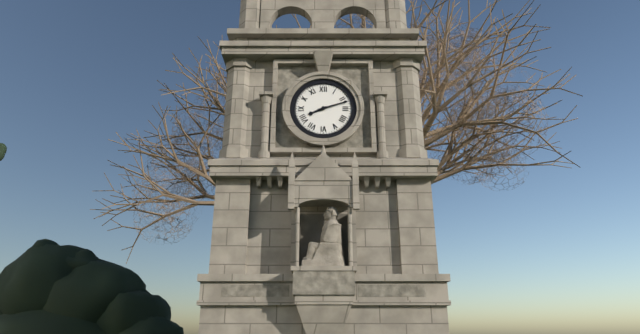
8:12
